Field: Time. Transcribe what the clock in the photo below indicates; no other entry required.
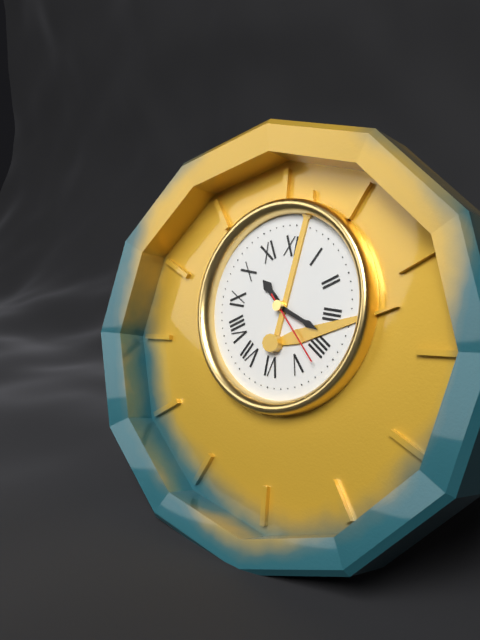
10:18:22
